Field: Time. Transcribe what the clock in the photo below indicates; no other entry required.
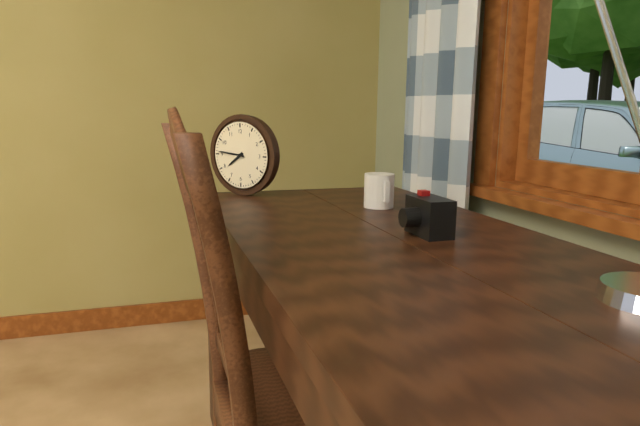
7:46
